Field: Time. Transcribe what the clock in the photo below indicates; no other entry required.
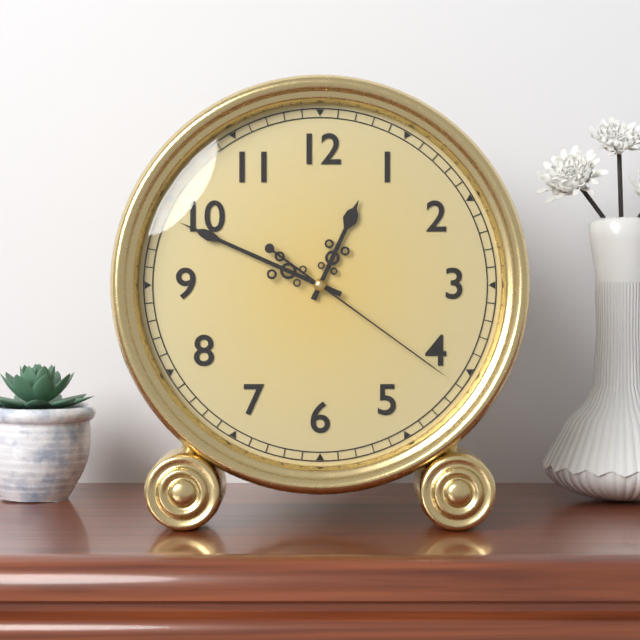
12:49:21
